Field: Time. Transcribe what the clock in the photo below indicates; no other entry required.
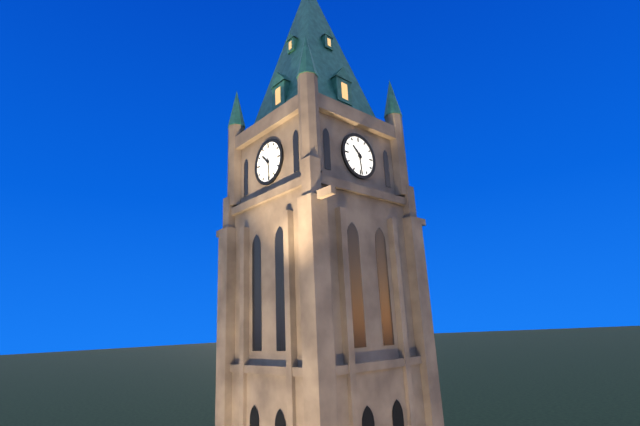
10:29
